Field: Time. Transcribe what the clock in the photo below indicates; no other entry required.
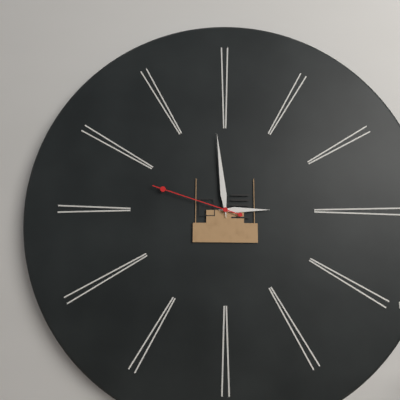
2:59:48
